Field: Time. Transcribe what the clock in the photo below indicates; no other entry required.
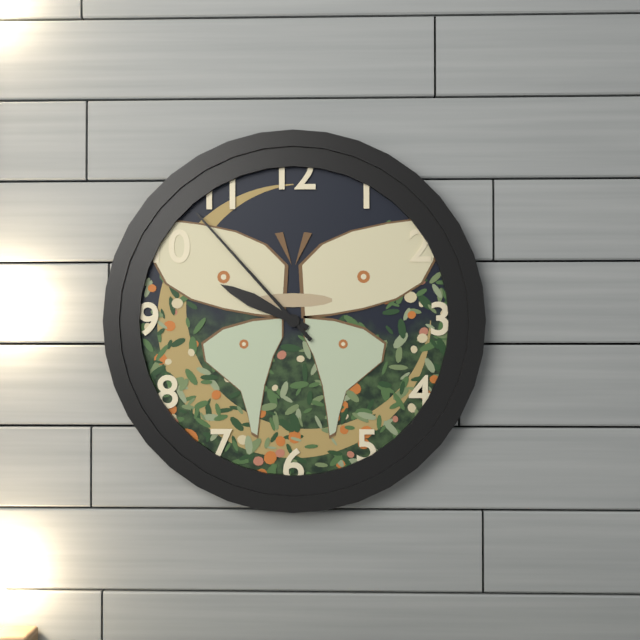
9:53
